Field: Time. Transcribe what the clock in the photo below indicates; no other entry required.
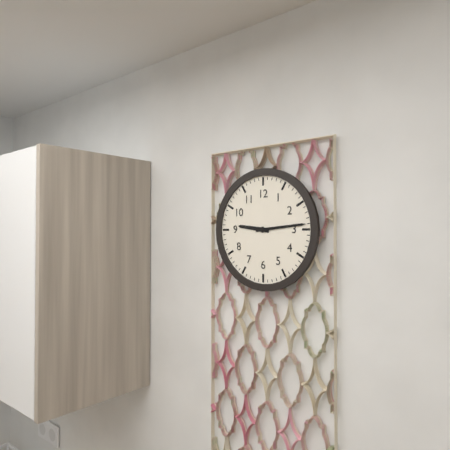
9:14
